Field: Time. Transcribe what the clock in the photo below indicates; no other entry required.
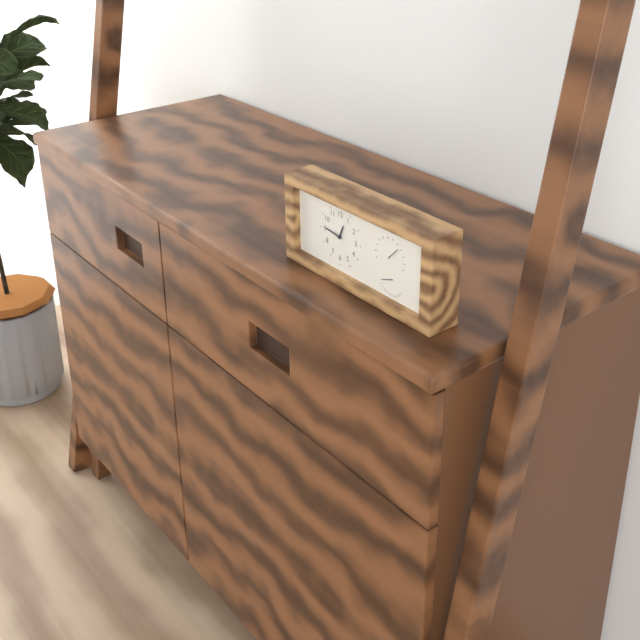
12:46
